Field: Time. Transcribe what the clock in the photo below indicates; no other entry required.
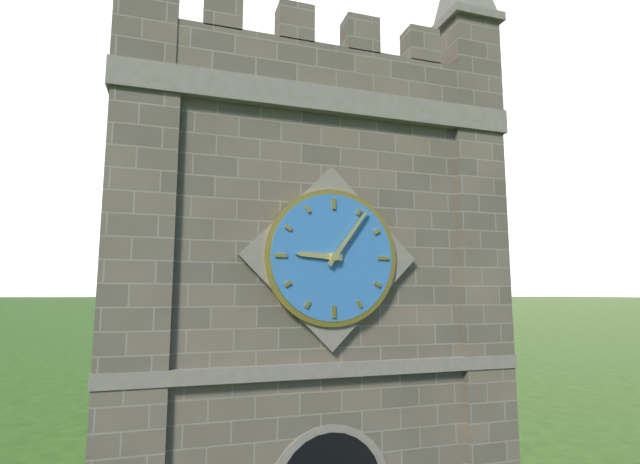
9:06
